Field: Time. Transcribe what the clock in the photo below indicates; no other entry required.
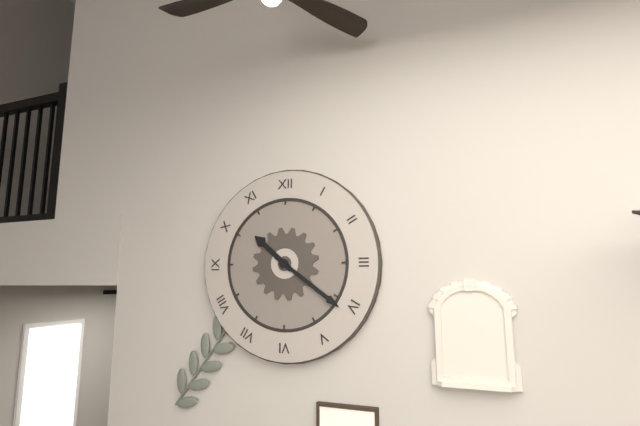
10:21
